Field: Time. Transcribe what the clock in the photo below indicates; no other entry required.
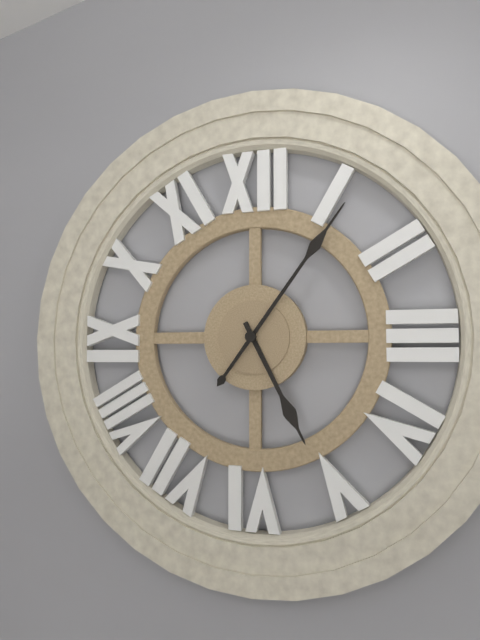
5:06
